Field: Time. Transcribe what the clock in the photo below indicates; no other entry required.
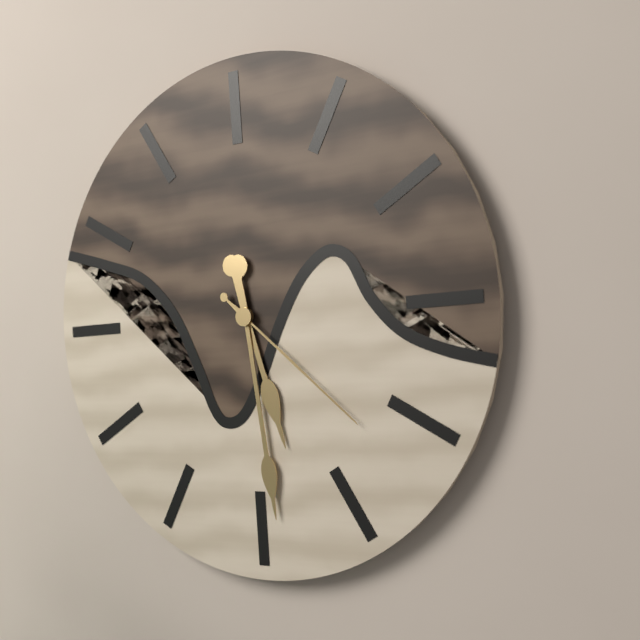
5:29:22
